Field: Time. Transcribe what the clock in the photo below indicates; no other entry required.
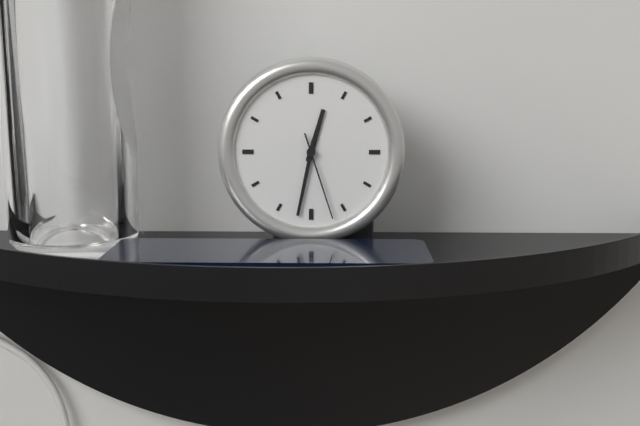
12:32:27
